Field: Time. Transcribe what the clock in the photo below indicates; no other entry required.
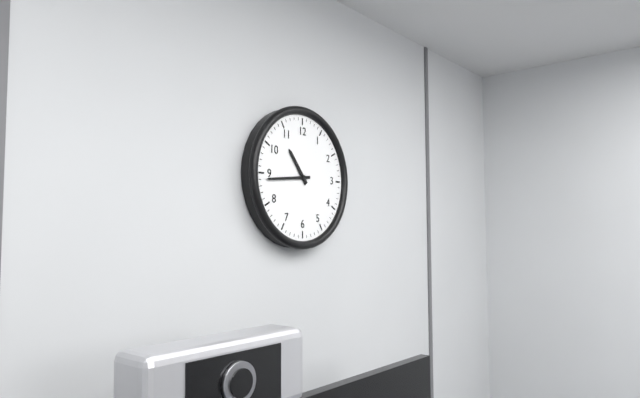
10:44
